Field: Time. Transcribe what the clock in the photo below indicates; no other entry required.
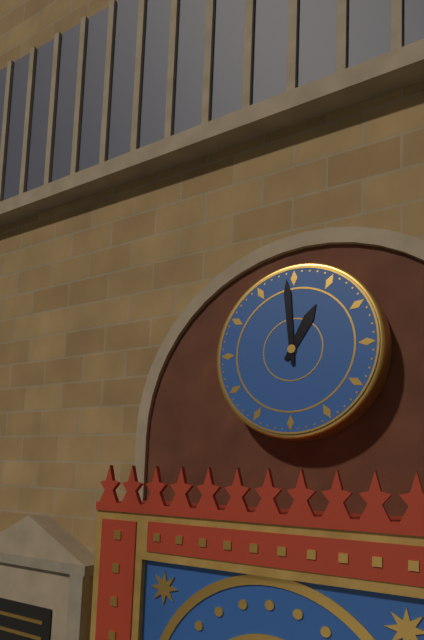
12:59
